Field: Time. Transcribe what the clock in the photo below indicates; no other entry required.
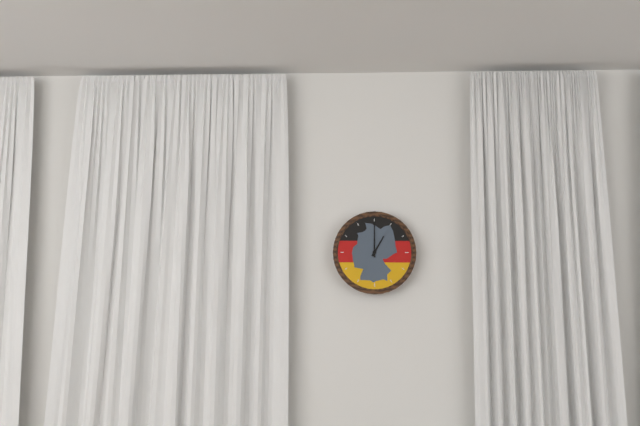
1:00
